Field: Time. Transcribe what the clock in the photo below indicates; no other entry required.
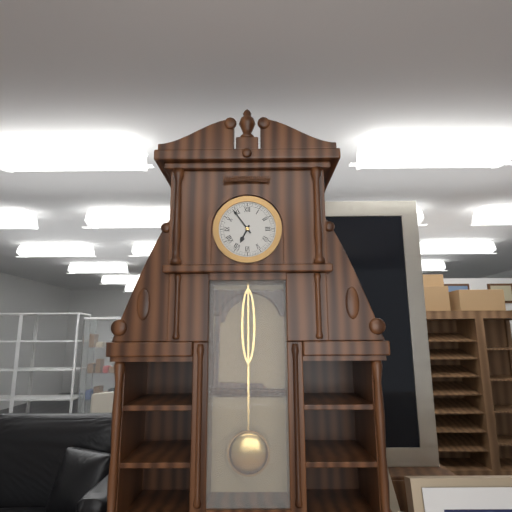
6:54
